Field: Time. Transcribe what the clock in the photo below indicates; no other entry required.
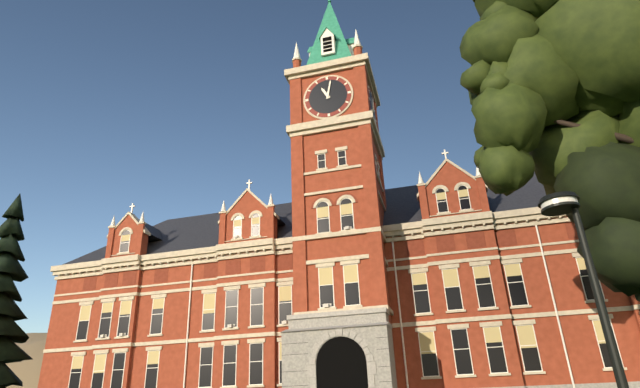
11:02
